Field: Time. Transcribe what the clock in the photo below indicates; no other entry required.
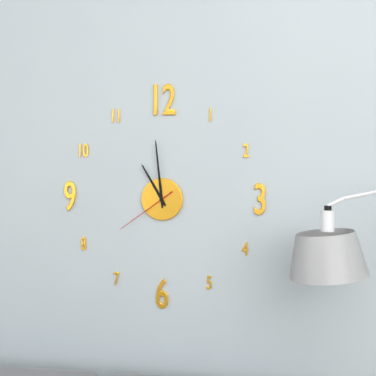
10:59:39
